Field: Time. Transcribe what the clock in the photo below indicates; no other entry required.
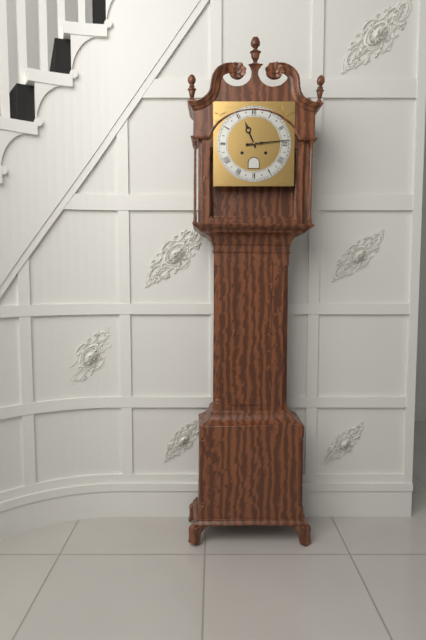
11:14
